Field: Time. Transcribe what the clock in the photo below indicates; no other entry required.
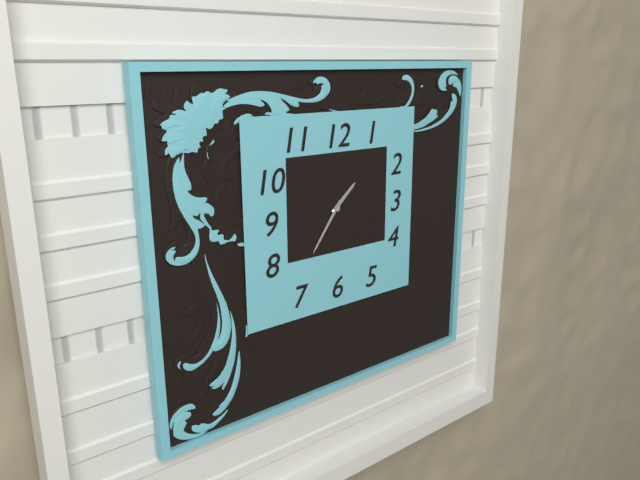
1:36
